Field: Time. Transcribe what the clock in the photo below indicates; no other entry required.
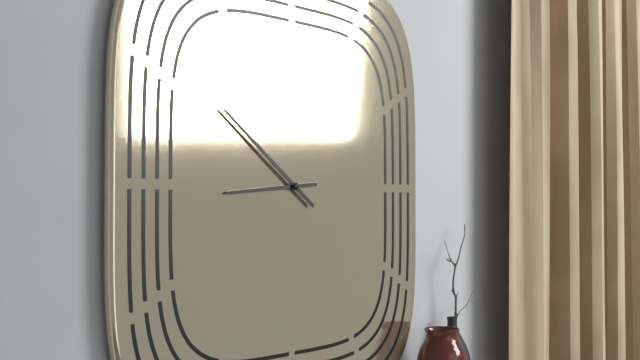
8:51
